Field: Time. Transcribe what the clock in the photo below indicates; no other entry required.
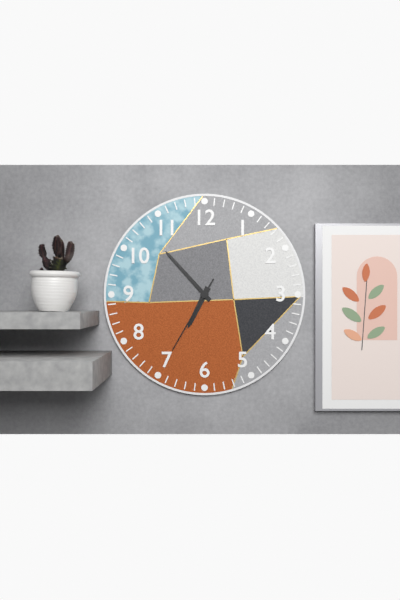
6:53:35
